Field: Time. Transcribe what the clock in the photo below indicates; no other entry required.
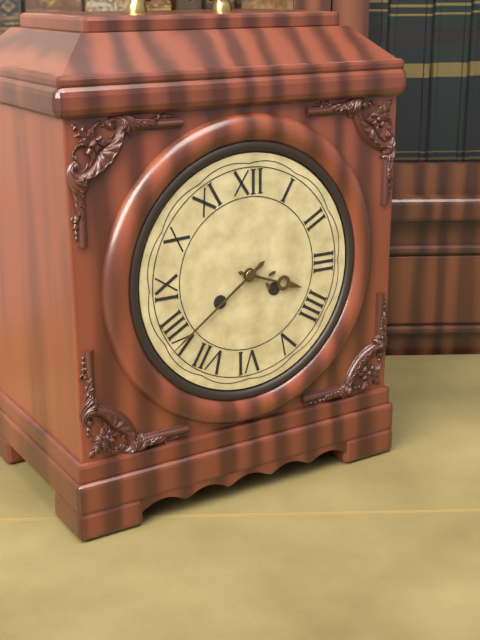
3:39
